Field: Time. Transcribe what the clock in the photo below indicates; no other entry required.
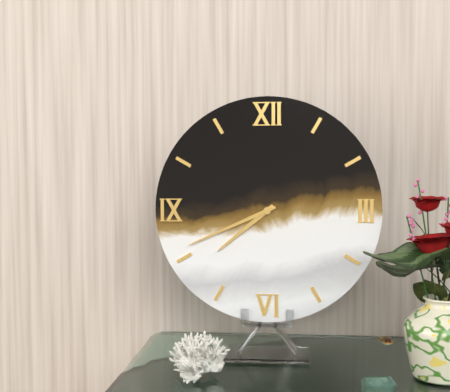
7:41
